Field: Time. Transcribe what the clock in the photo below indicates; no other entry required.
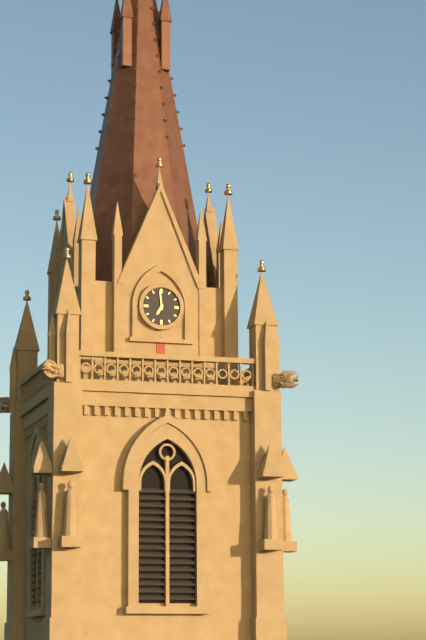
6:59
